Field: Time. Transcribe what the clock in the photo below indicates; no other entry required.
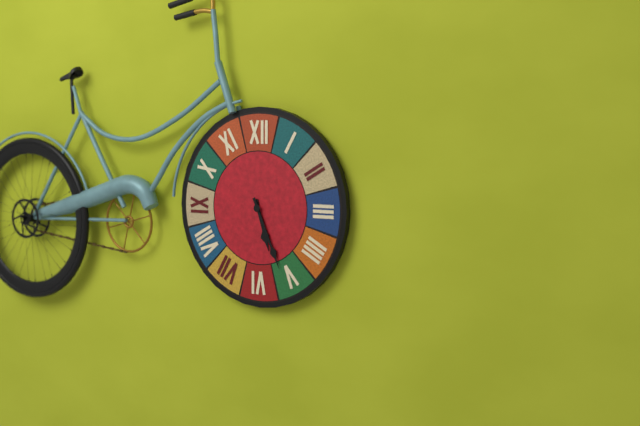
5:26
